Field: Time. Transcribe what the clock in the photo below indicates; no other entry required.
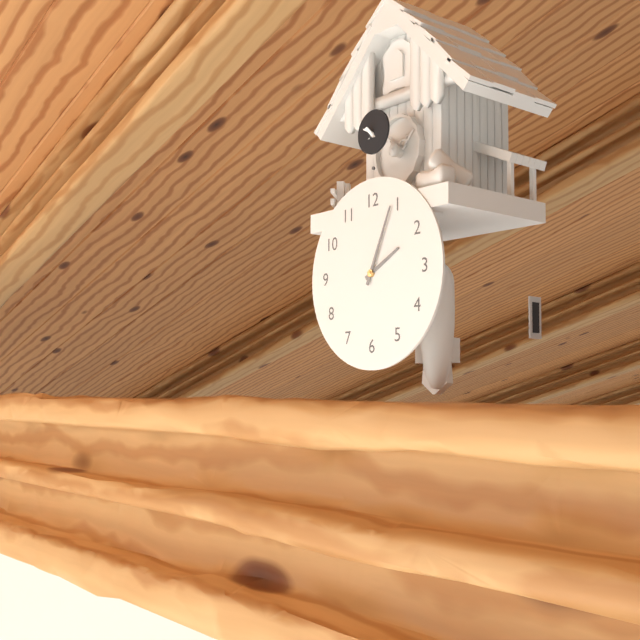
2:04
